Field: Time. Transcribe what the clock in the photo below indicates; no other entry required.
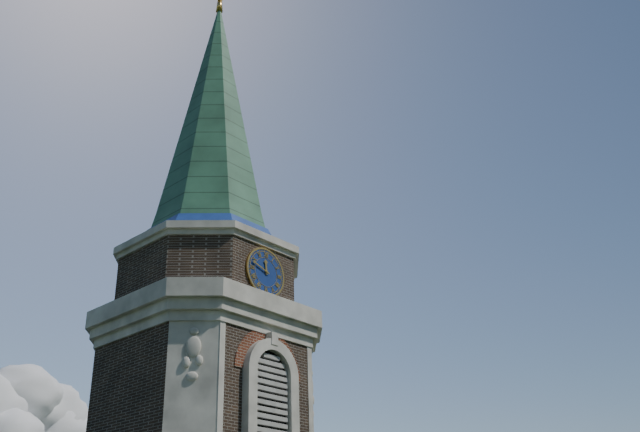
11:48
